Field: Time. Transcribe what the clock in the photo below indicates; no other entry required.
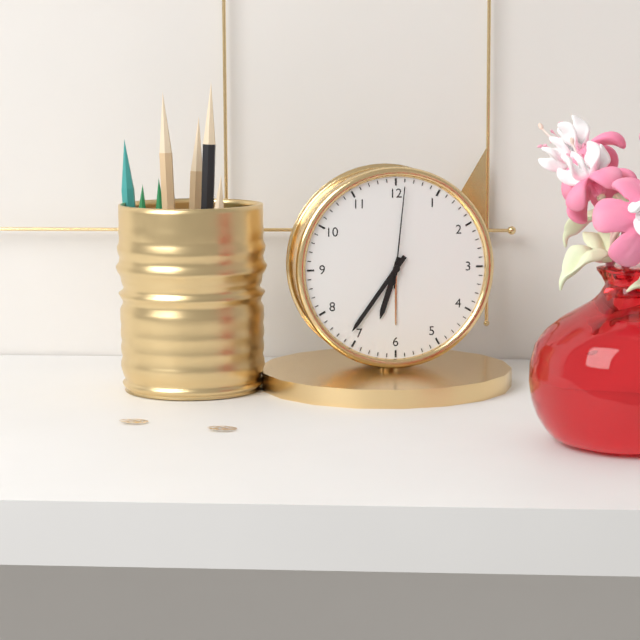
6:36:01
